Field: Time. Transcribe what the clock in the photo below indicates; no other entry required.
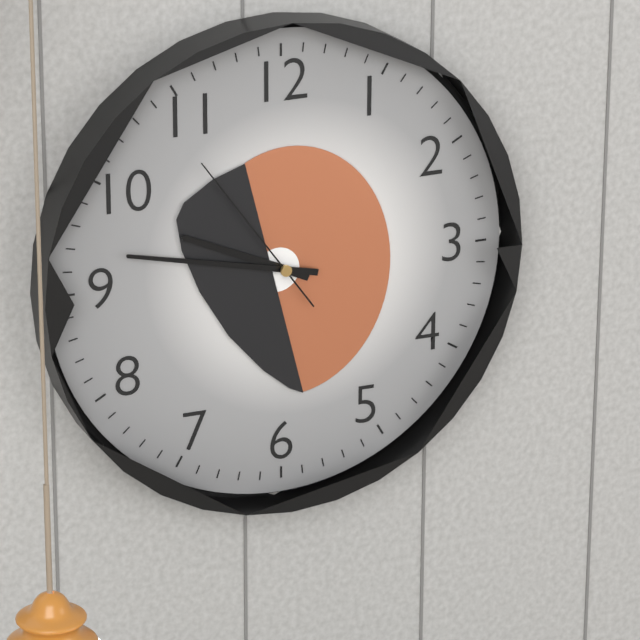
9:47:54
